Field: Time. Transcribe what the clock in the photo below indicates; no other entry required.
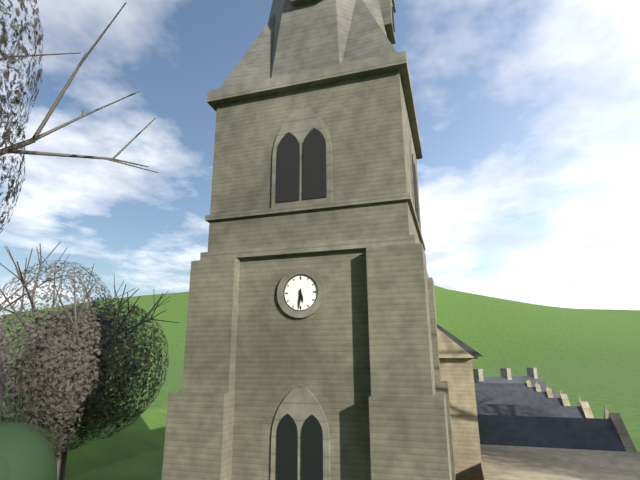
5:31
